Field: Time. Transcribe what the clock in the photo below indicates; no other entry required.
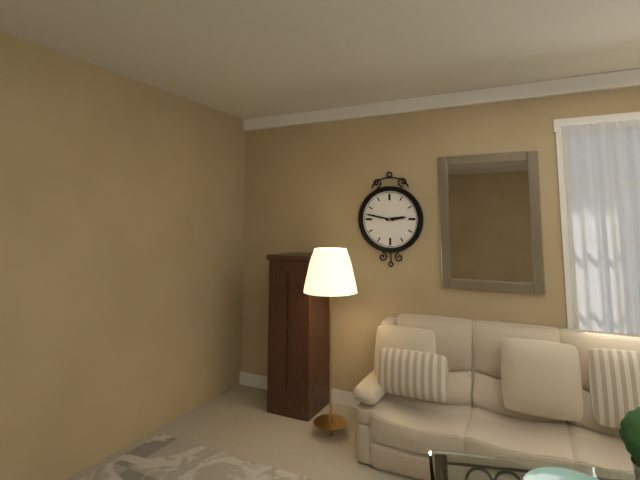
2:47
